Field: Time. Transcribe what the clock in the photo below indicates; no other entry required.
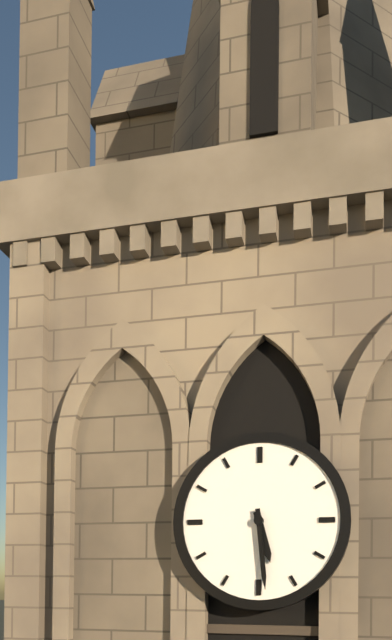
5:29
